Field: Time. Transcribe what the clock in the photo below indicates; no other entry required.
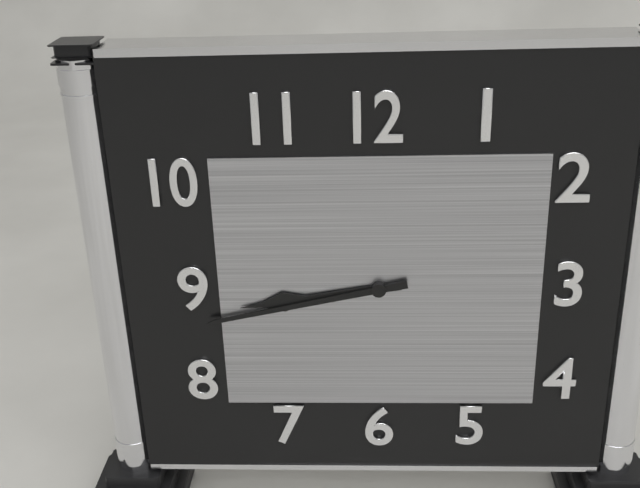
8:43
